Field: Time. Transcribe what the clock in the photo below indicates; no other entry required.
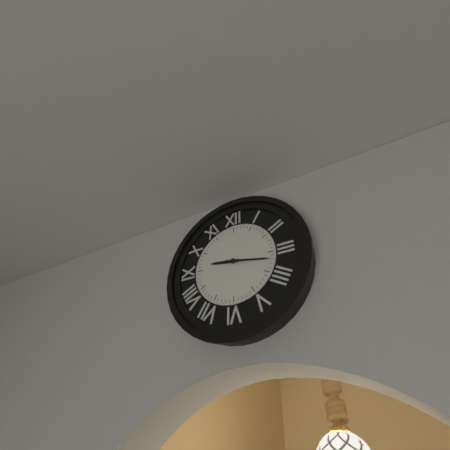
9:17
